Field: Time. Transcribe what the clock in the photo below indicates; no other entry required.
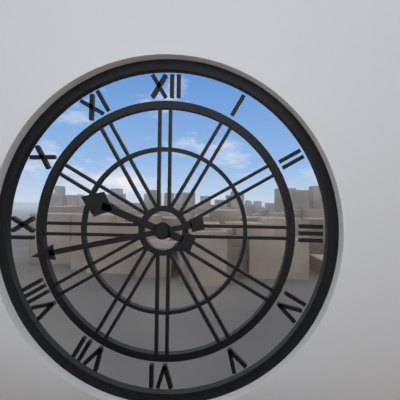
9:43
